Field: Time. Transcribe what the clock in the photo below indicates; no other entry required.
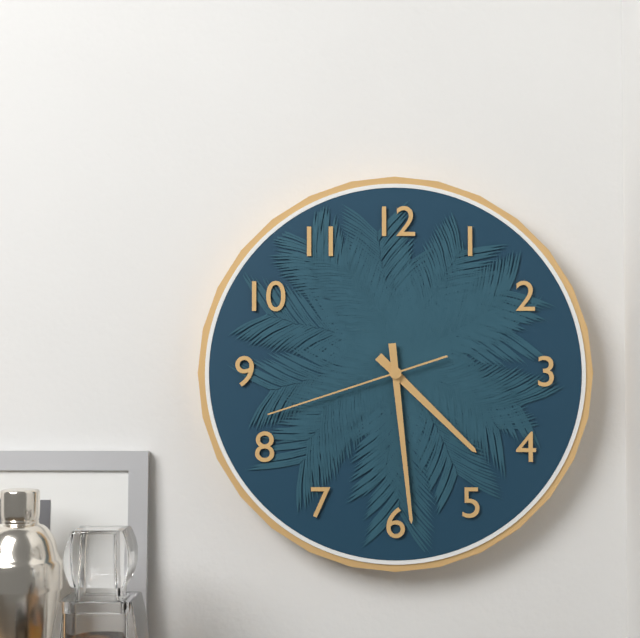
4:29:42
